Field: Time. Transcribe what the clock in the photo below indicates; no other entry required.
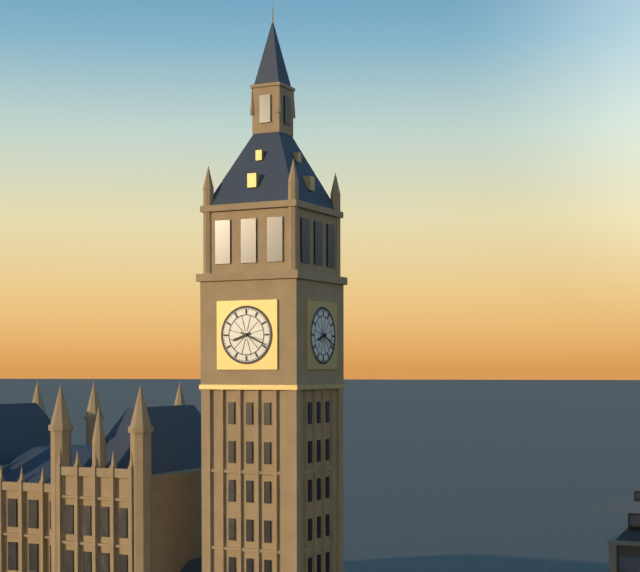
8:19
